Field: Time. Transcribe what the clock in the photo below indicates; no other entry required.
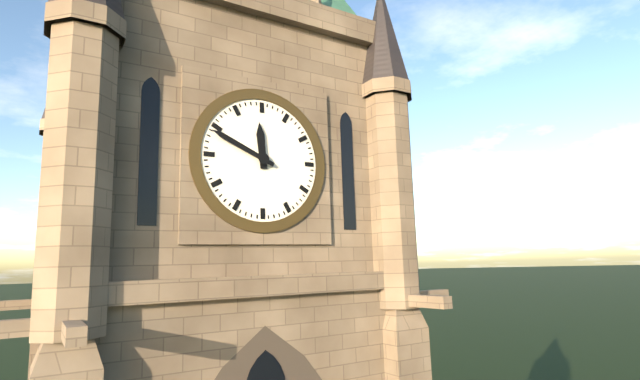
11:49
